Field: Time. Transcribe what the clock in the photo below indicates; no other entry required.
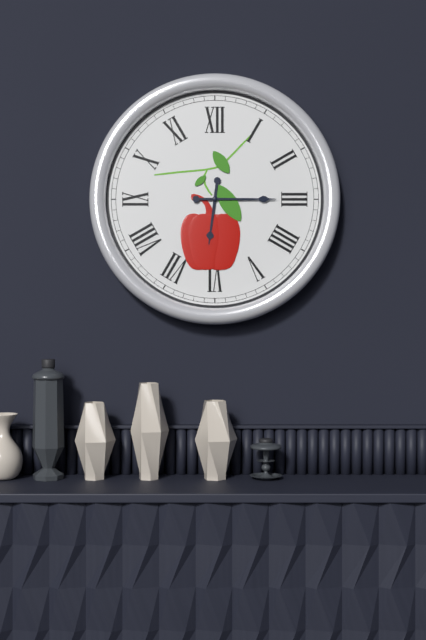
6:15
